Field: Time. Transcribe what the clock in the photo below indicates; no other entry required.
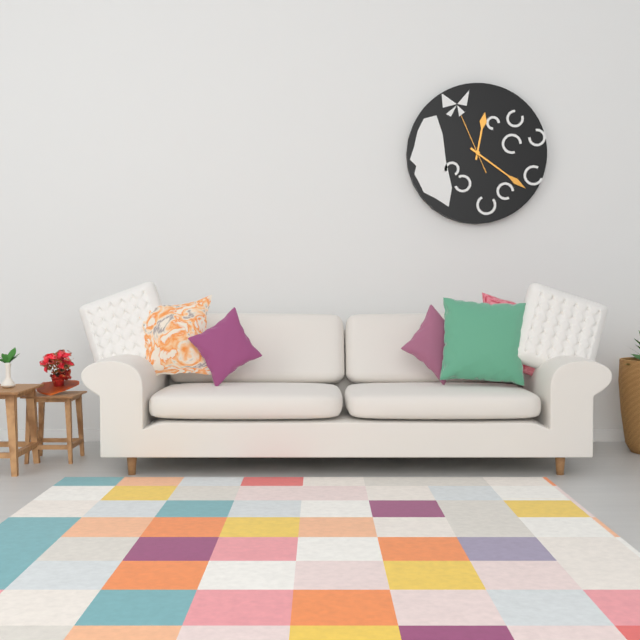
12:21:56
